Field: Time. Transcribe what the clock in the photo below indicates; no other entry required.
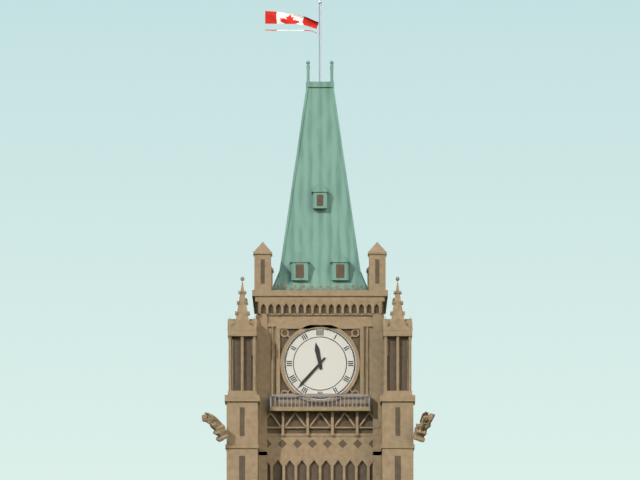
11:37
